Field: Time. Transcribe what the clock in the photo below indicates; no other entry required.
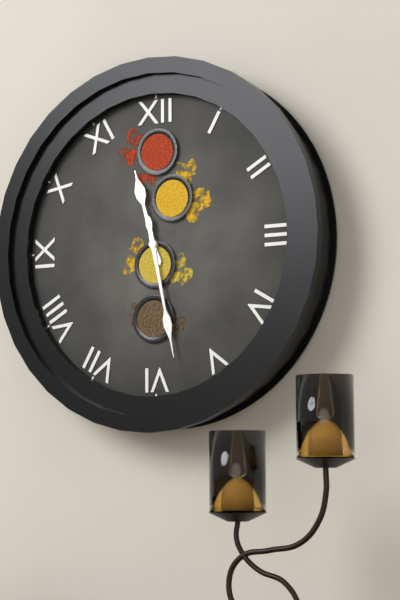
11:28
